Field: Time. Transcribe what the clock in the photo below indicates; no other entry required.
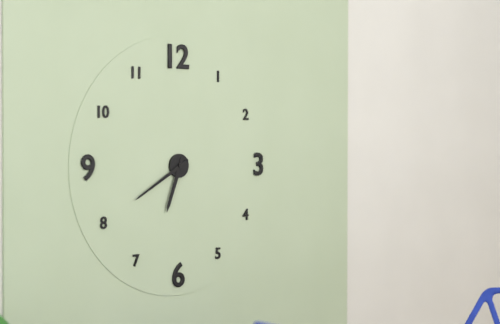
6:40
